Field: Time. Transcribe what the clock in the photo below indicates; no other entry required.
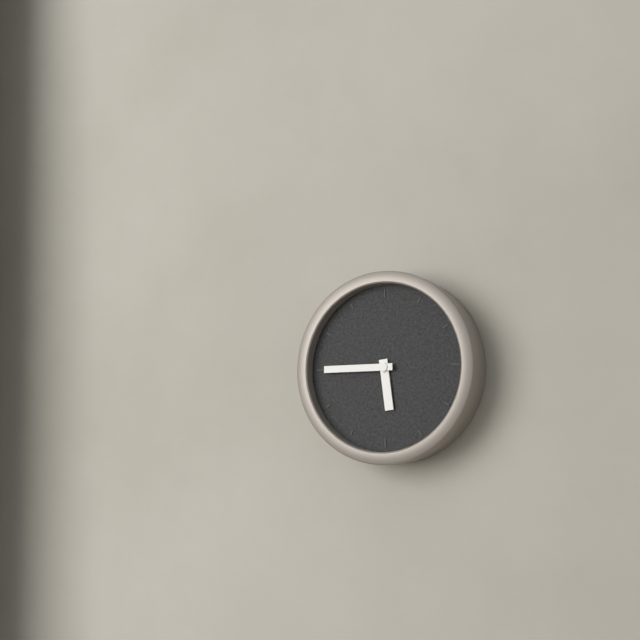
5:45
